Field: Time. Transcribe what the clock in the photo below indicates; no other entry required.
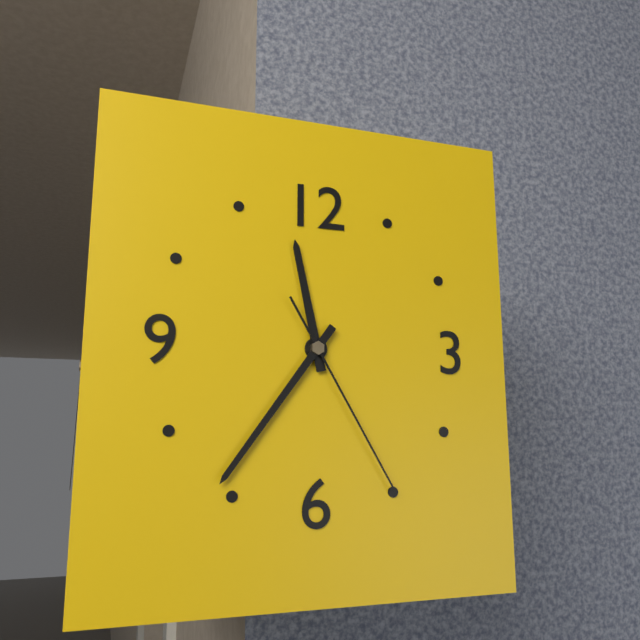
11:36:25
